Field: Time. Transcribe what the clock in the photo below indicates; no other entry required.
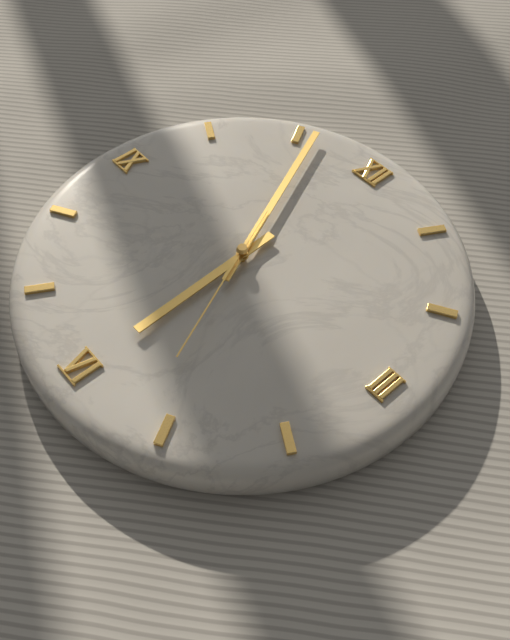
5:56:26
